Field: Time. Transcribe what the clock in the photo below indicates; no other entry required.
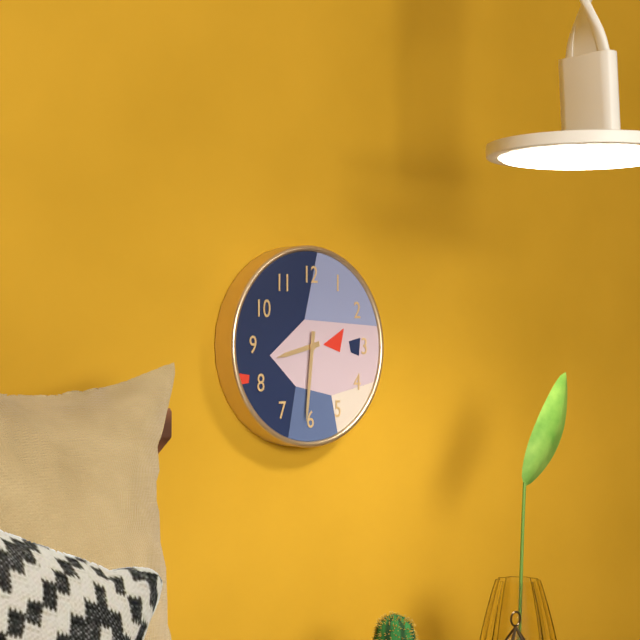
8:31
